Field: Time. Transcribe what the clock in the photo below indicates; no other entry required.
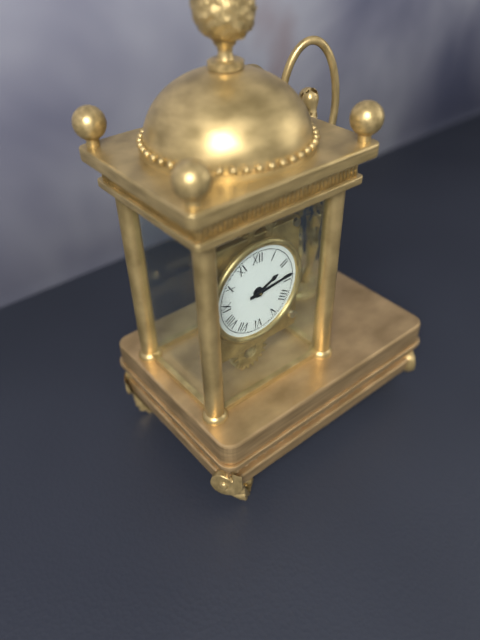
2:14
